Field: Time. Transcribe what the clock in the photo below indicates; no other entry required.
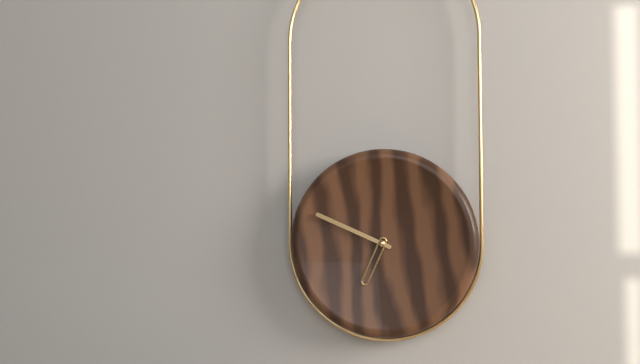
6:49
